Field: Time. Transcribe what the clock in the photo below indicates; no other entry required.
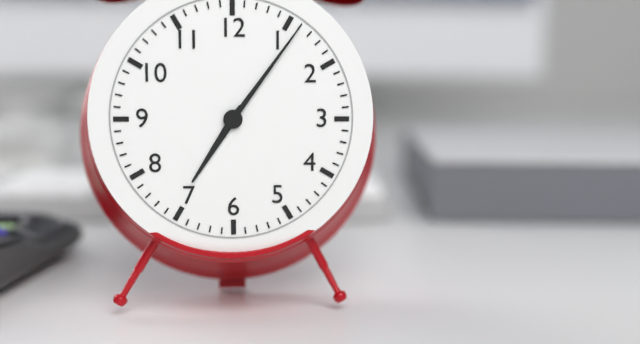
7:06
